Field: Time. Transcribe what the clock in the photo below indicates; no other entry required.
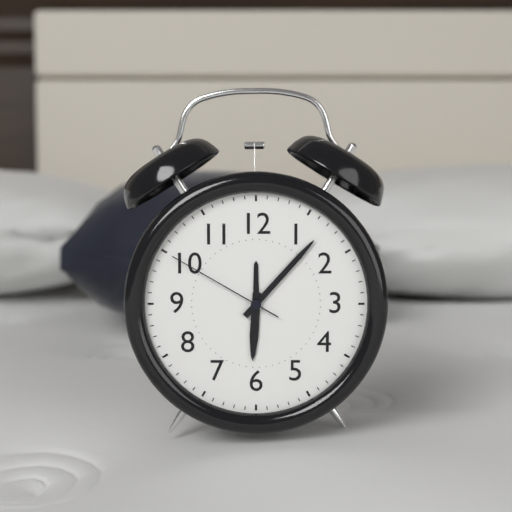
6:07:50
